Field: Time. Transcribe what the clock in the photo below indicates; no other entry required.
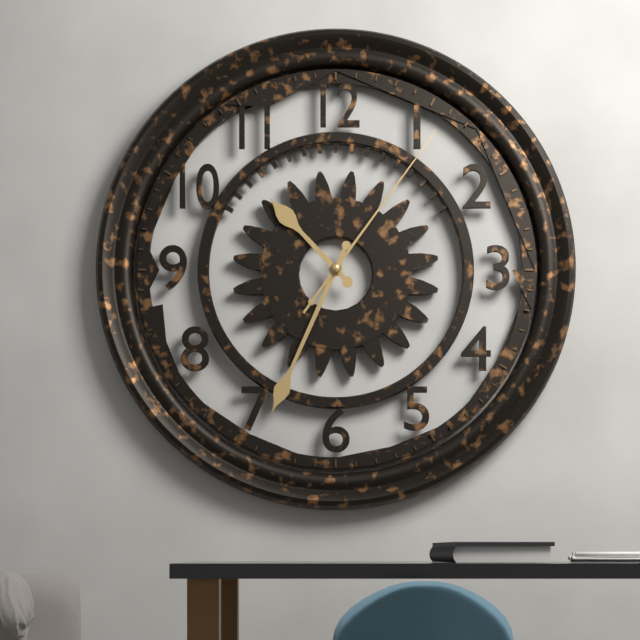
10:34:06
